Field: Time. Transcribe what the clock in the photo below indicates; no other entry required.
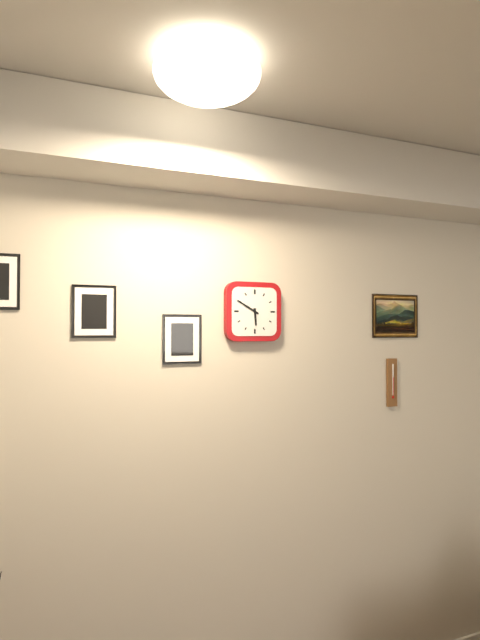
5:50
